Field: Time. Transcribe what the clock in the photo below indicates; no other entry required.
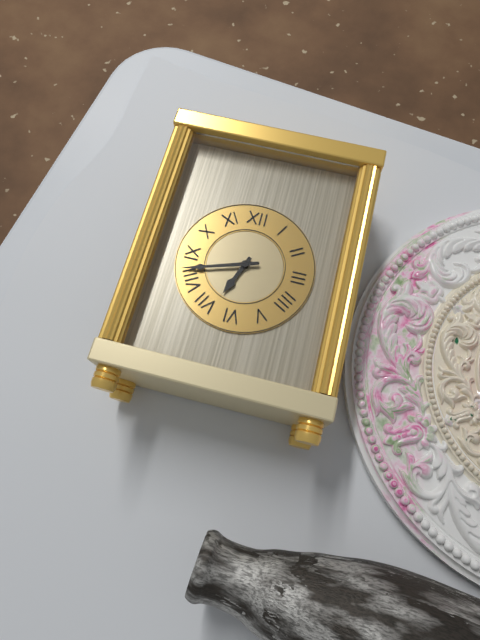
6:42
